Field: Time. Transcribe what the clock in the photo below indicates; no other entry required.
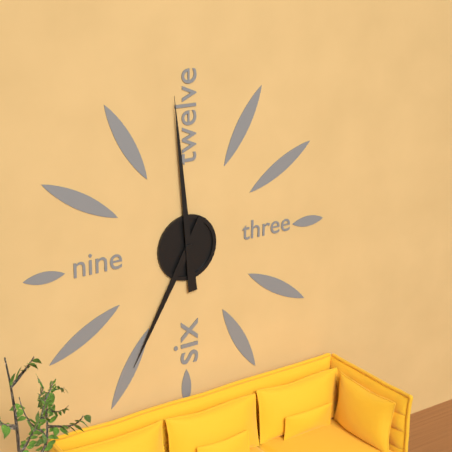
6:59
